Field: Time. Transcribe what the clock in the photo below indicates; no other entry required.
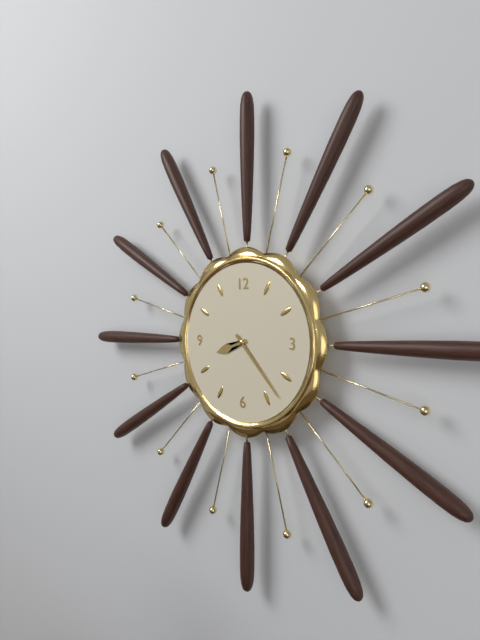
8:23
